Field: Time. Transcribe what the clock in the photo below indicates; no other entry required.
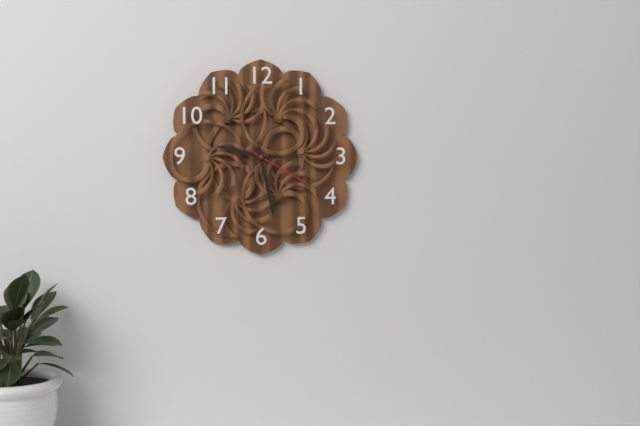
9:28:20
